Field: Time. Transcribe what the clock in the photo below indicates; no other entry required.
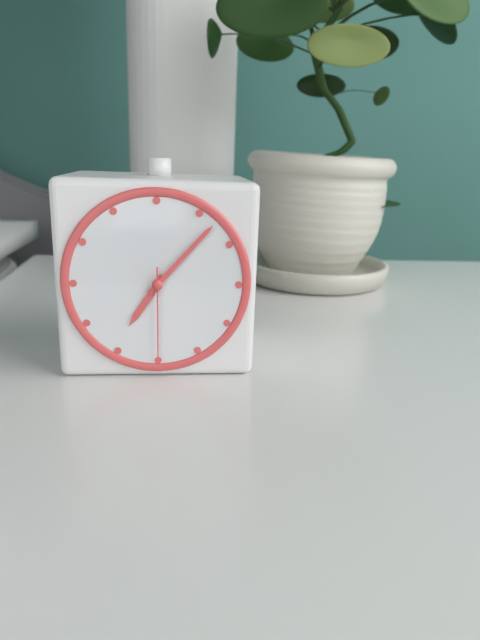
7:07:30
